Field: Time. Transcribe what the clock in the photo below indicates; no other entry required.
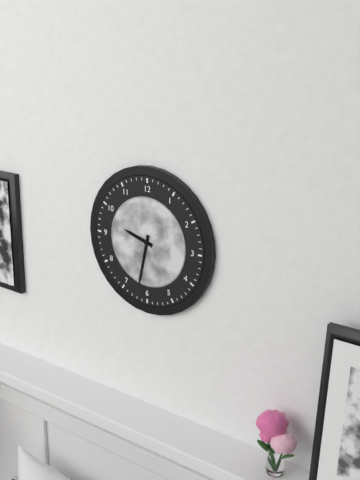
9:32
